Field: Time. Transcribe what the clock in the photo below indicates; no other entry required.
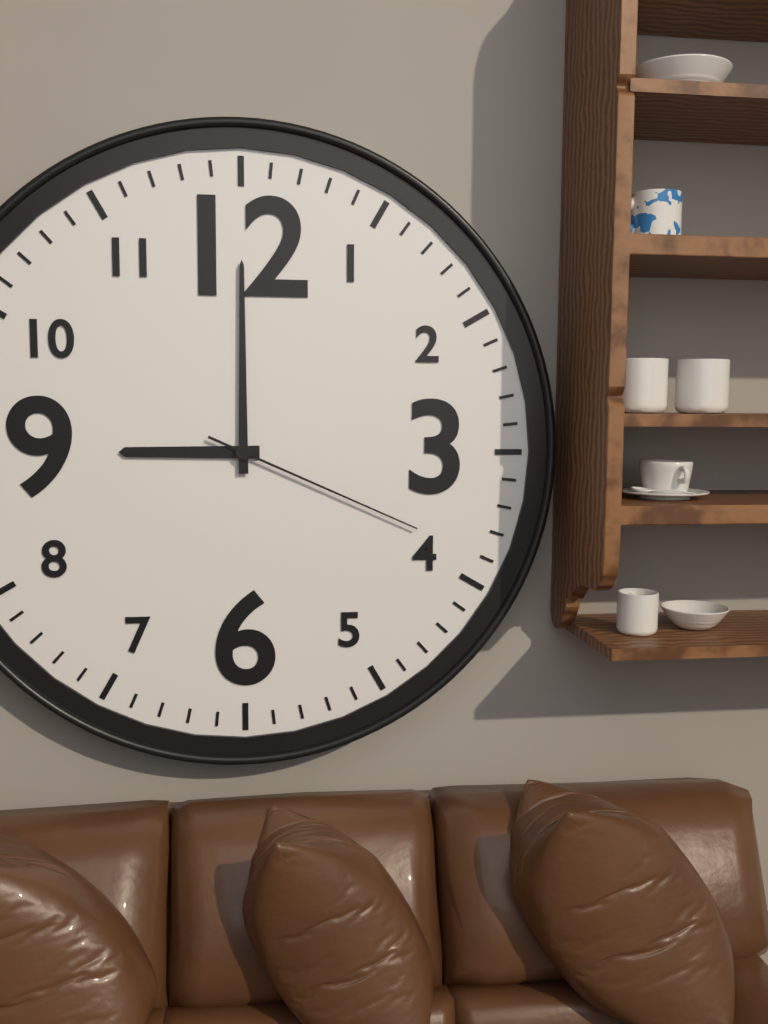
9:00:19
